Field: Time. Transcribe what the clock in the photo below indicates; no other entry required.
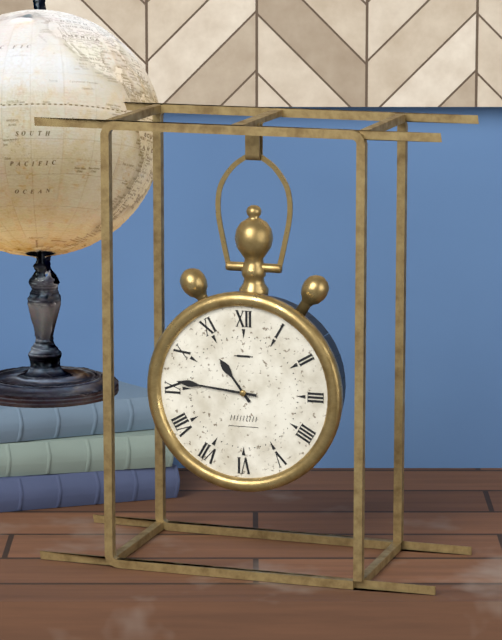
10:46
